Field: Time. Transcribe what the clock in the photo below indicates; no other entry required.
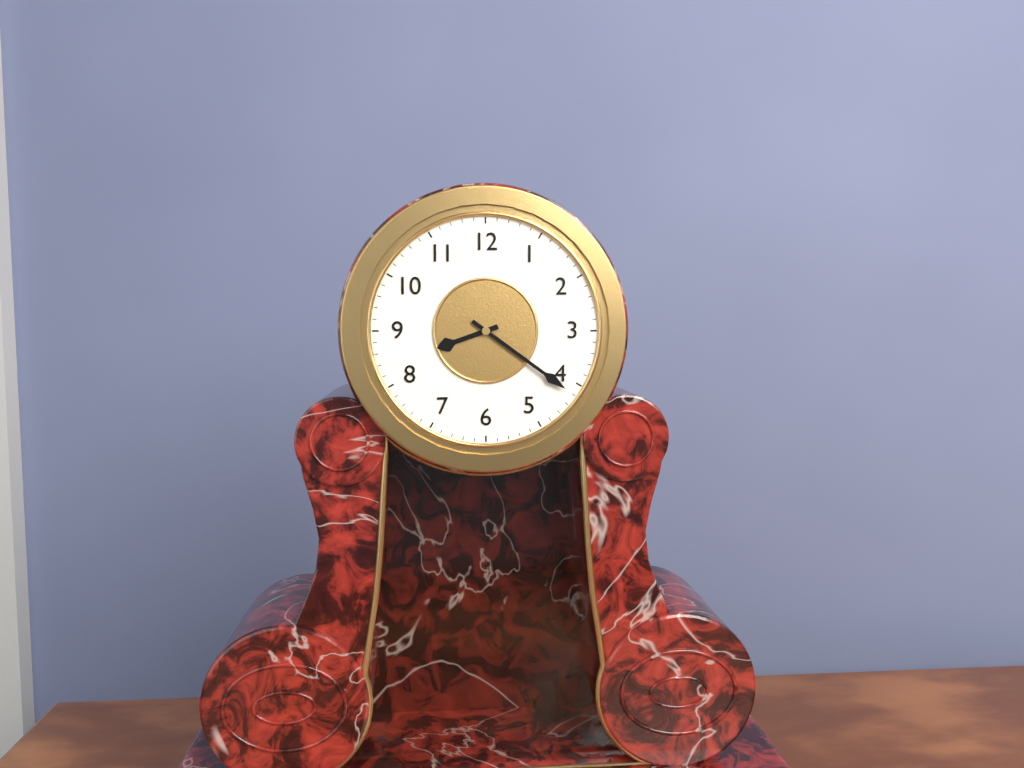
8:21
